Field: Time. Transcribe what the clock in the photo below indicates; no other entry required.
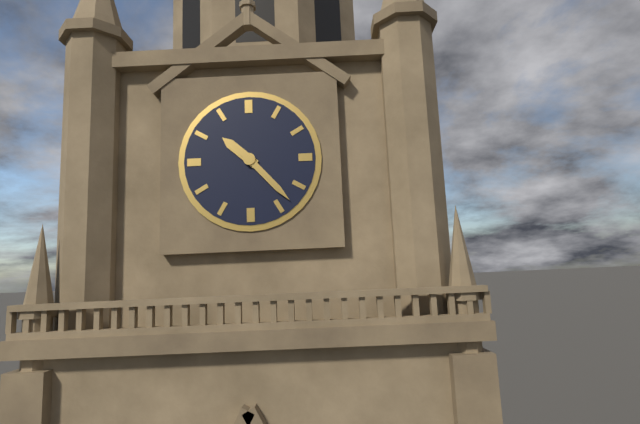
10:23
